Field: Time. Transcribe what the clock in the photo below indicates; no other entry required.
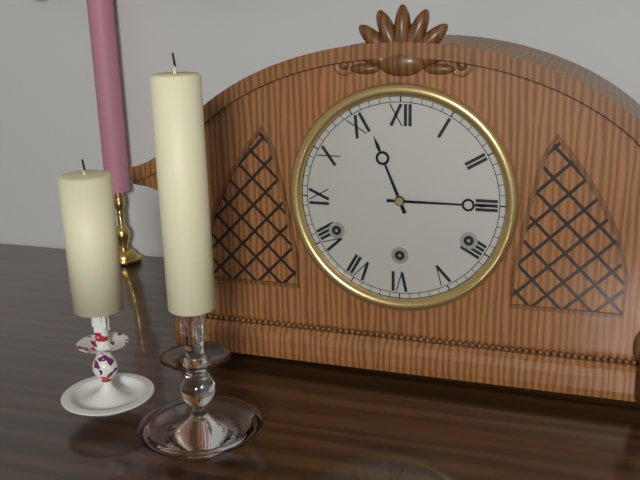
11:15
